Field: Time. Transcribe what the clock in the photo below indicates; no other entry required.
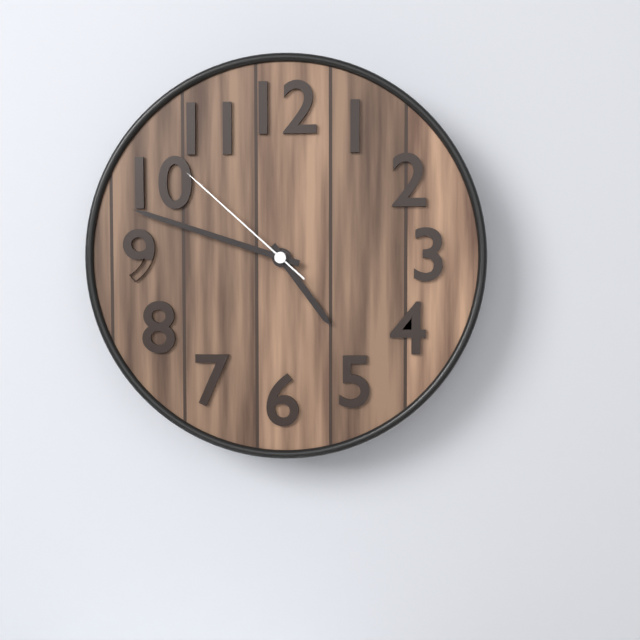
4:48:52
